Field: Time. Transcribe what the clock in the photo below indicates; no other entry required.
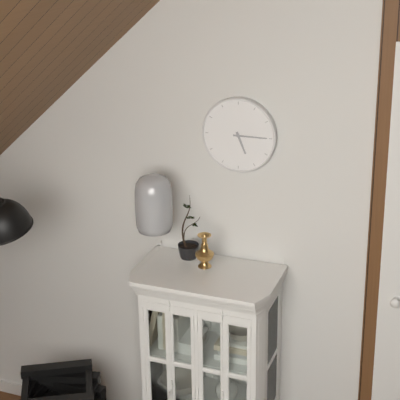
5:15
